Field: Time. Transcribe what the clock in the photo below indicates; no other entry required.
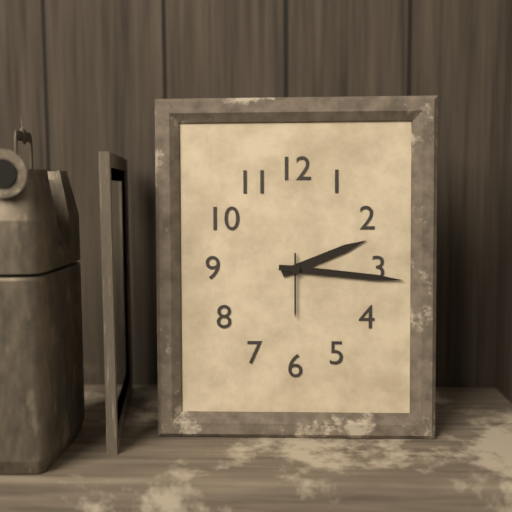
2:16:30
